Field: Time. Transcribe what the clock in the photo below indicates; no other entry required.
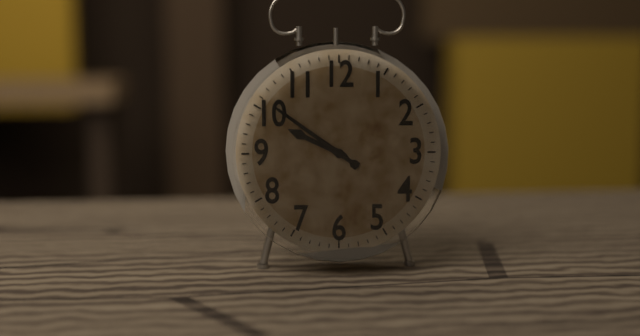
9:51
